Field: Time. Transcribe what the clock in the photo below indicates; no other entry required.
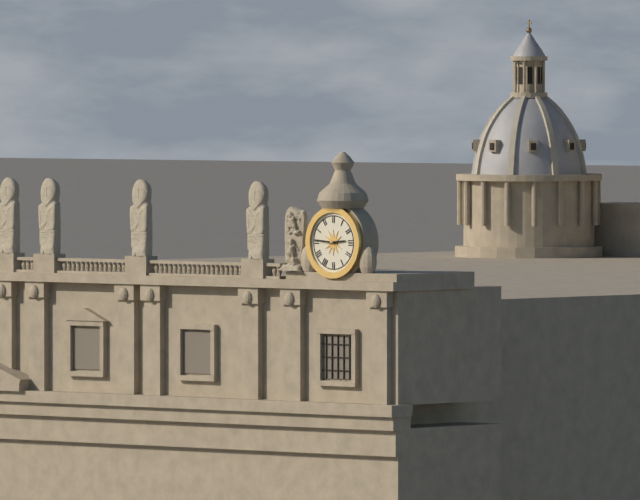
2:46
